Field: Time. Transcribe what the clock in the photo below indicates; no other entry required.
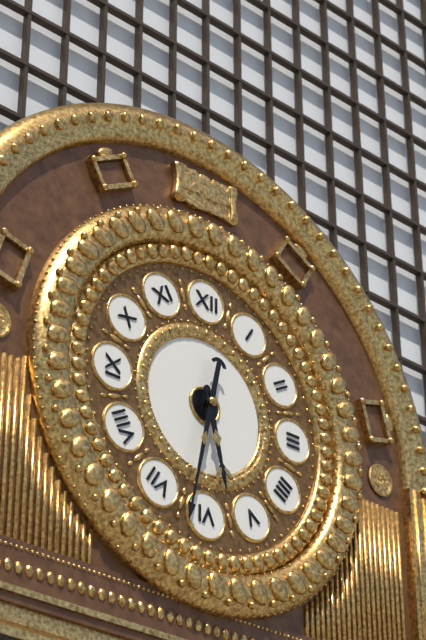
5:32
